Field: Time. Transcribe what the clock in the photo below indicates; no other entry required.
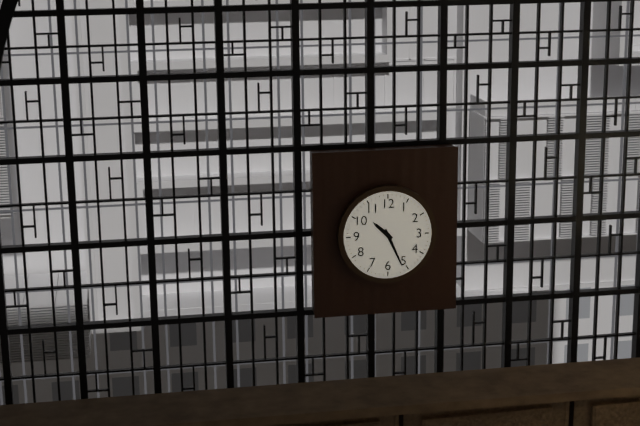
10:26
